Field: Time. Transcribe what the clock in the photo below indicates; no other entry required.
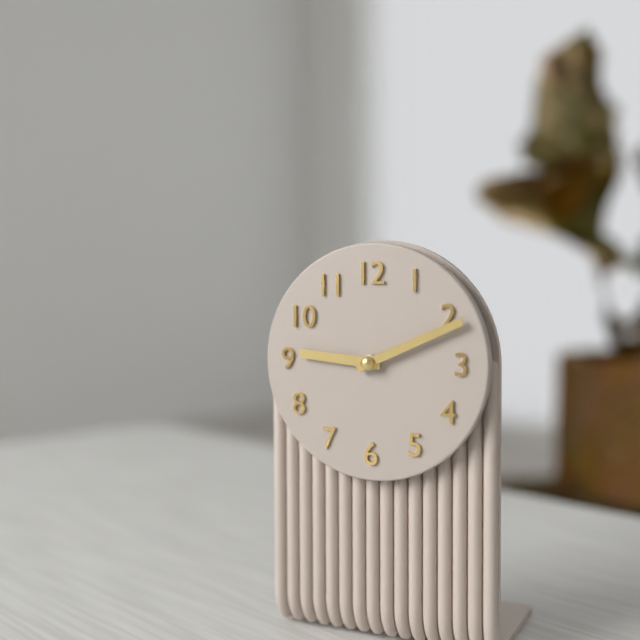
9:11
